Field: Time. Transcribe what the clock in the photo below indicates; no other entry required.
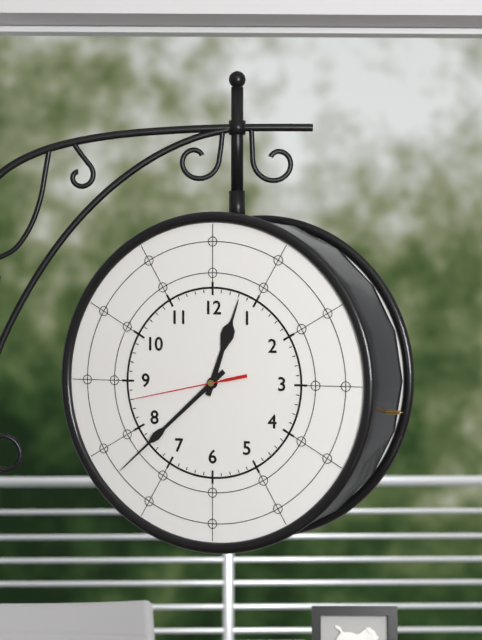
12:38:43
